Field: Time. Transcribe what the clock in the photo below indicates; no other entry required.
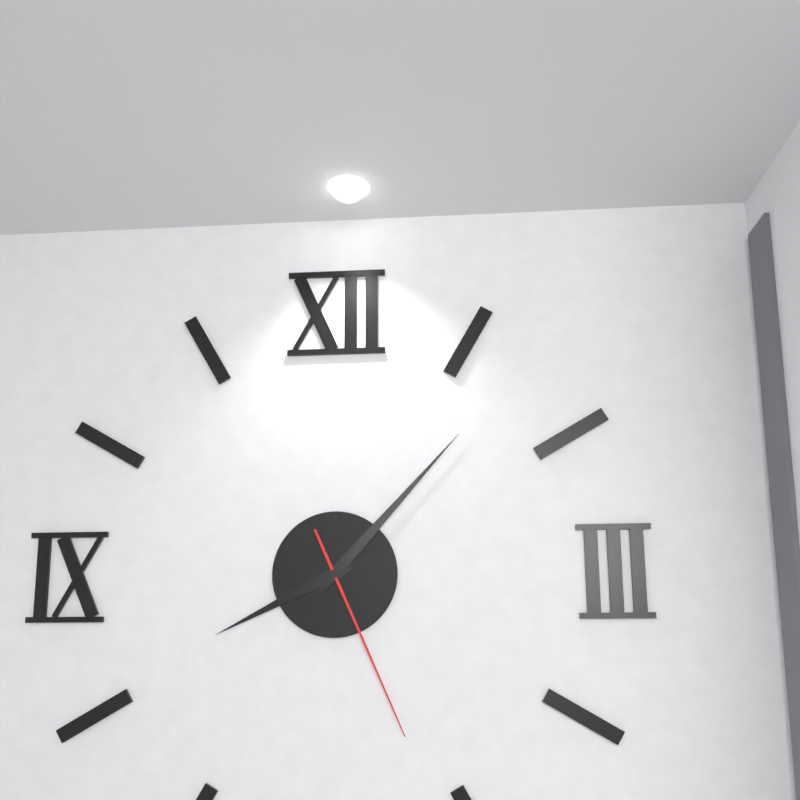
8:07:26
